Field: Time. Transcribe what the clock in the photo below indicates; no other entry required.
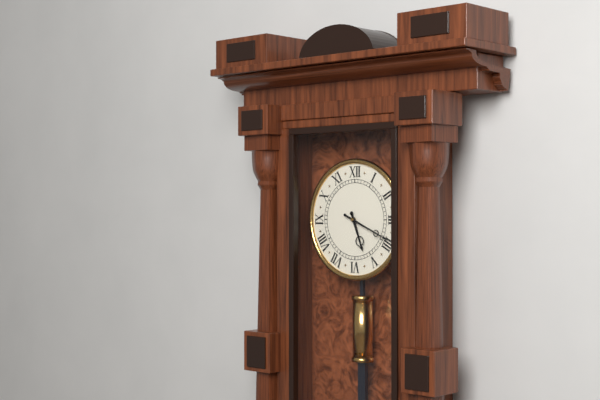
5:19
